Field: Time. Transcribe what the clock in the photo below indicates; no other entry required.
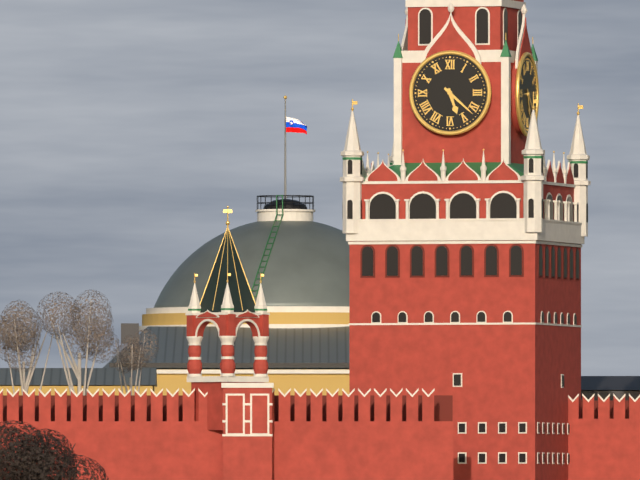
5:22
